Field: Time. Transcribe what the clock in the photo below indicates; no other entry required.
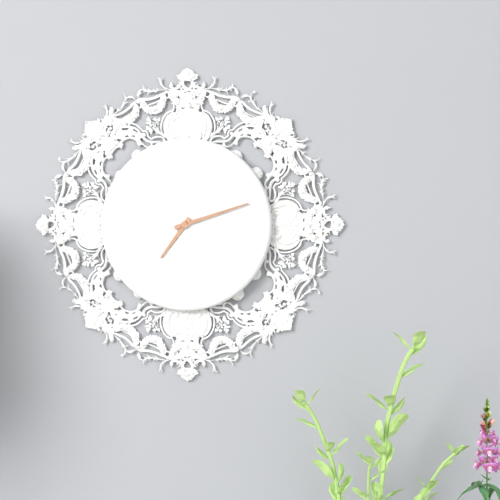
7:12
